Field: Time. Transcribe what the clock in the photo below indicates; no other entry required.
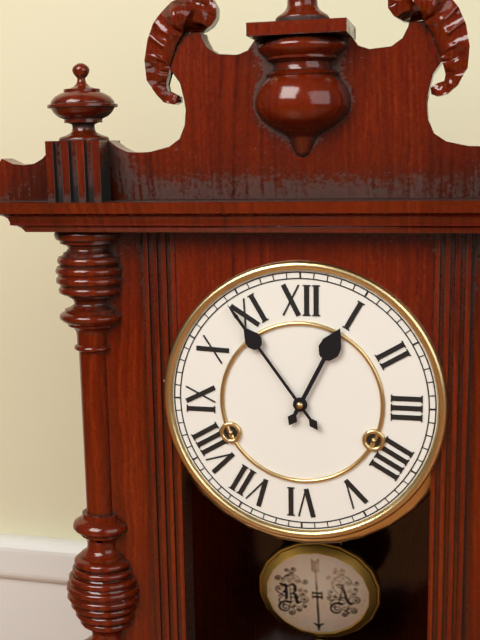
12:54
